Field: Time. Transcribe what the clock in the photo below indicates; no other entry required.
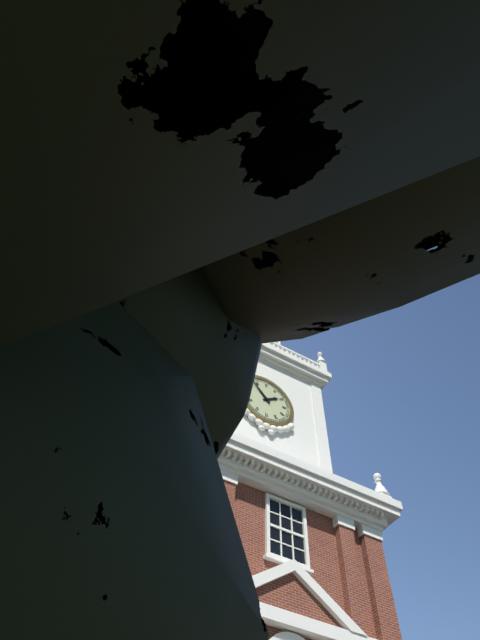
1:53
